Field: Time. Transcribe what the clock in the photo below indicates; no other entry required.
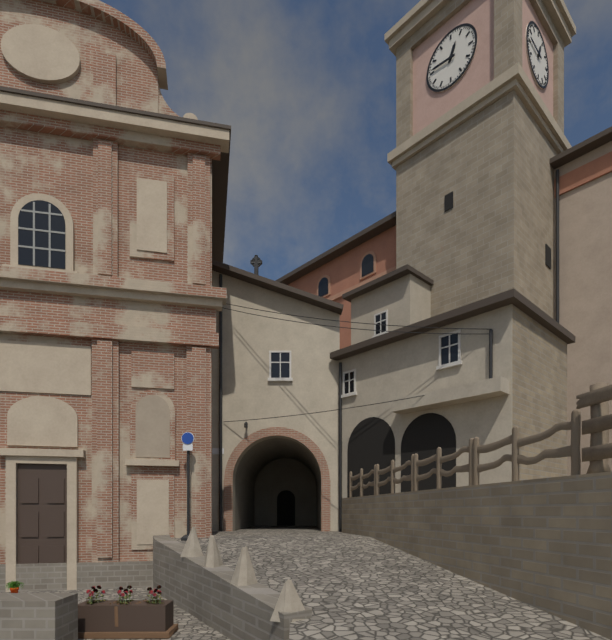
12:46
